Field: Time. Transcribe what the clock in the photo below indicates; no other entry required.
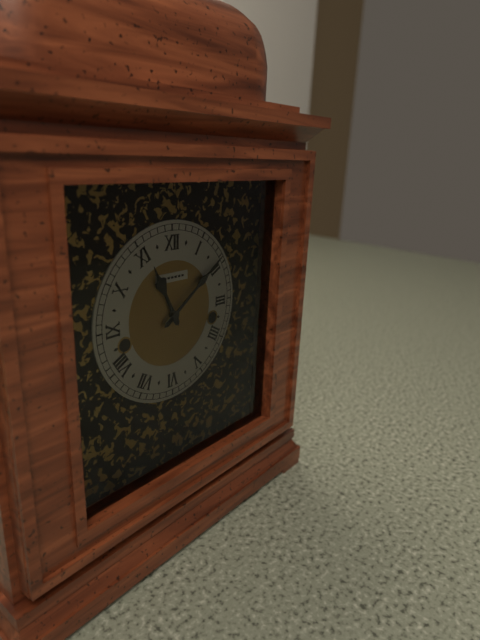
11:09
